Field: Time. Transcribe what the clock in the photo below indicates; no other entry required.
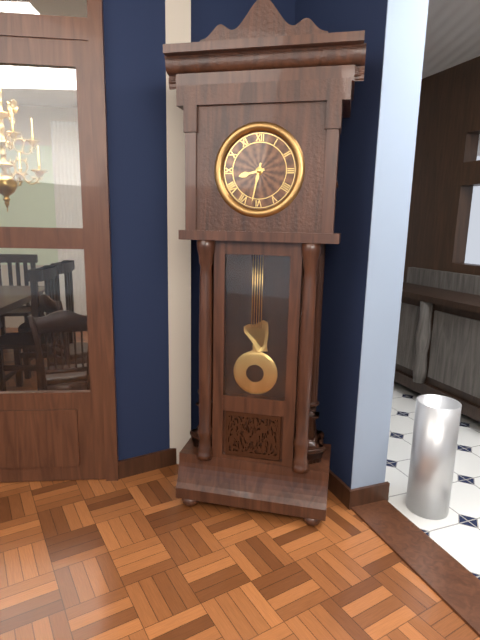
8:32
